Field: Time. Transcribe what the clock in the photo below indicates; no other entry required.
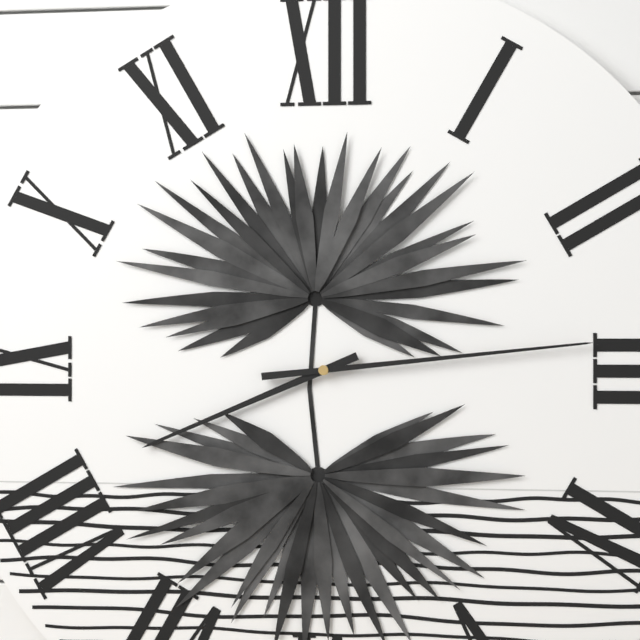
8:14
